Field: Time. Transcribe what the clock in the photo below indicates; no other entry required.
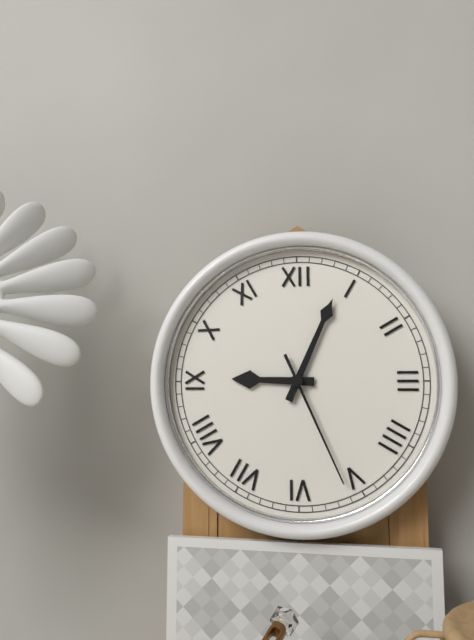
9:04:26
